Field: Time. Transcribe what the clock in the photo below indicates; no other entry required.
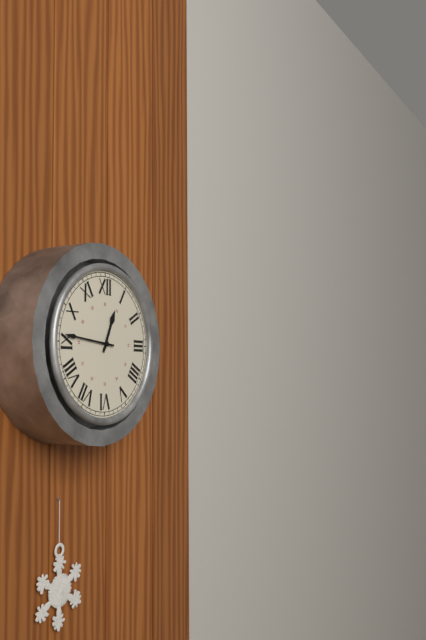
12:46
